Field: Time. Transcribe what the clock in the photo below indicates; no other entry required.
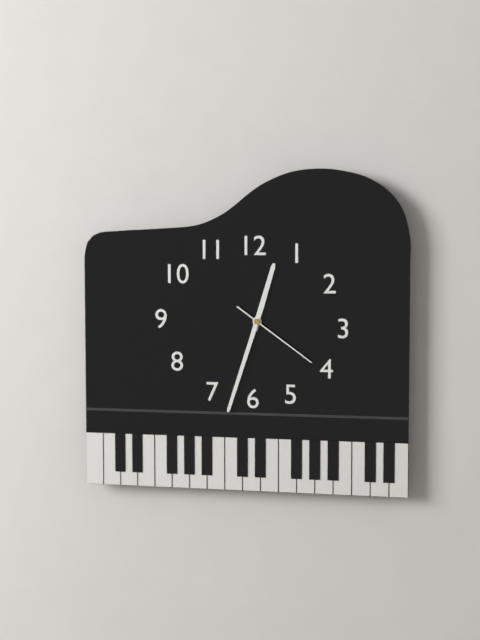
12:33:21
